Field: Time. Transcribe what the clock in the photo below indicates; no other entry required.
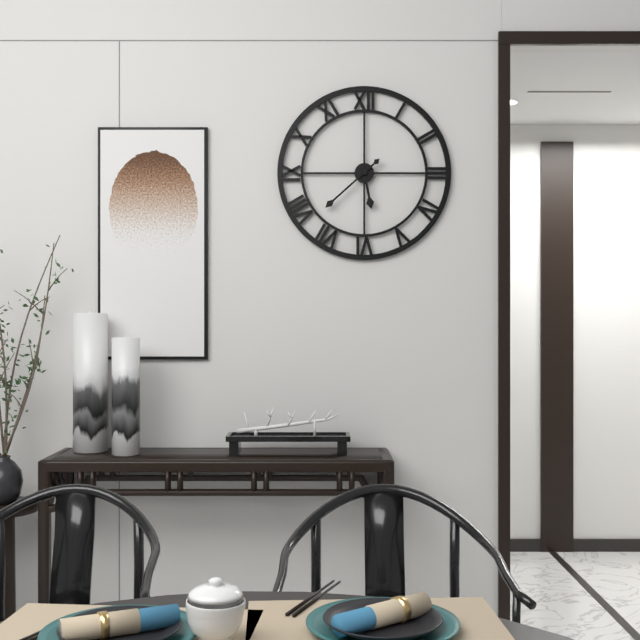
5:38
